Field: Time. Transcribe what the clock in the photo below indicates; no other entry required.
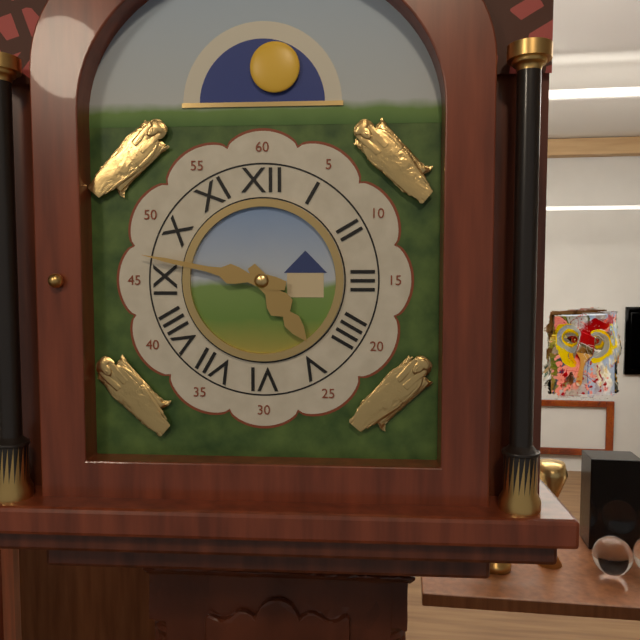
4:47
